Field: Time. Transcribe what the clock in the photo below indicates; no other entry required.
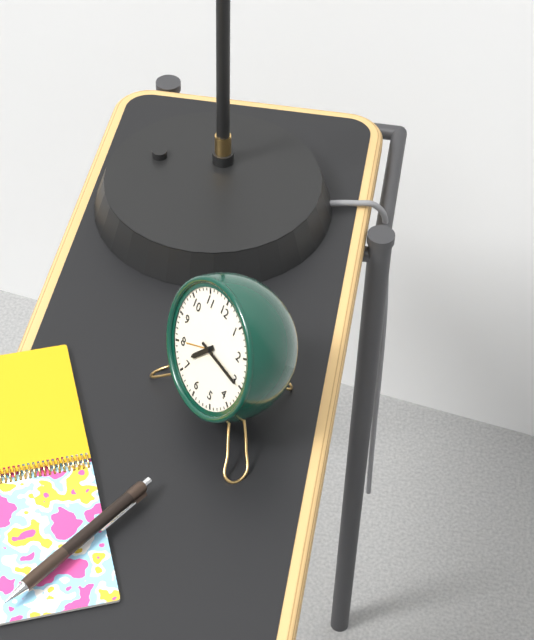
7:15
